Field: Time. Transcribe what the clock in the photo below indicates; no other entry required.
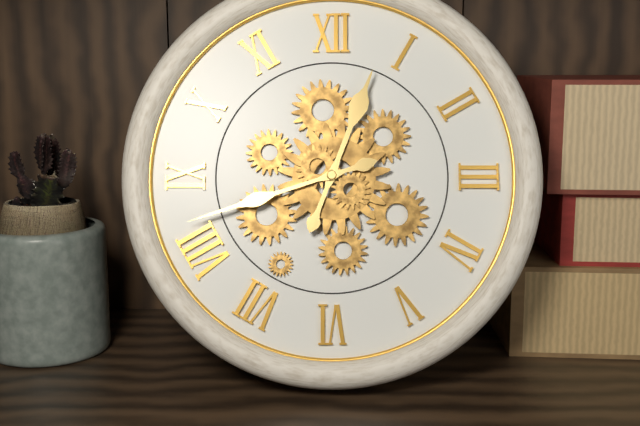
12:42
